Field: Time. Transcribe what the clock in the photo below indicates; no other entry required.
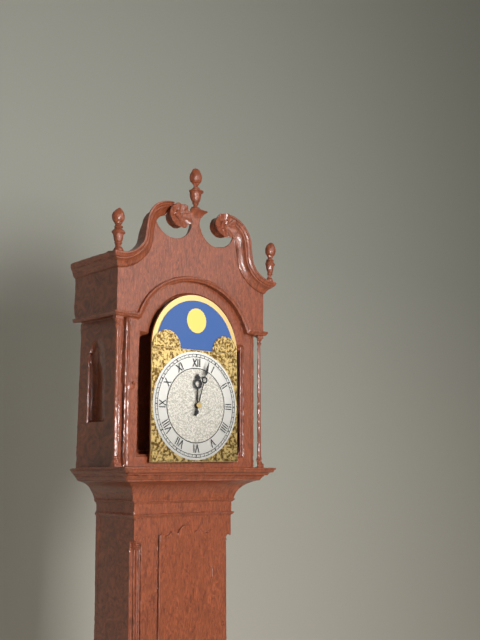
12:03
